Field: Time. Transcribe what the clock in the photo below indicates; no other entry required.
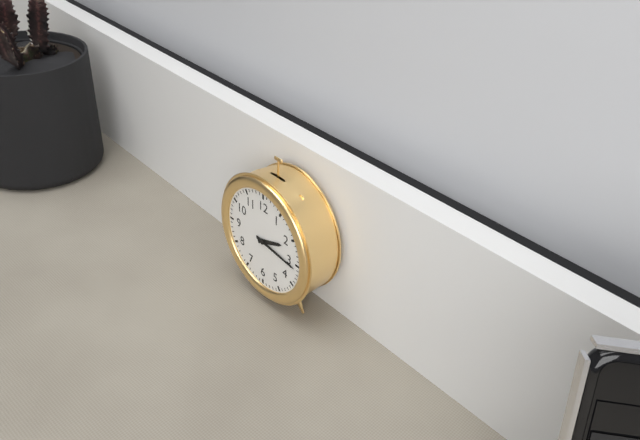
2:16
